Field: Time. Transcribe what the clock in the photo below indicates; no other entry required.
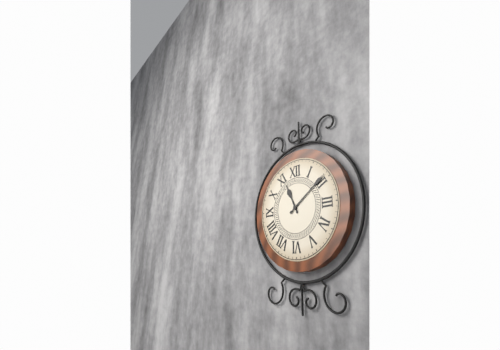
11:09
